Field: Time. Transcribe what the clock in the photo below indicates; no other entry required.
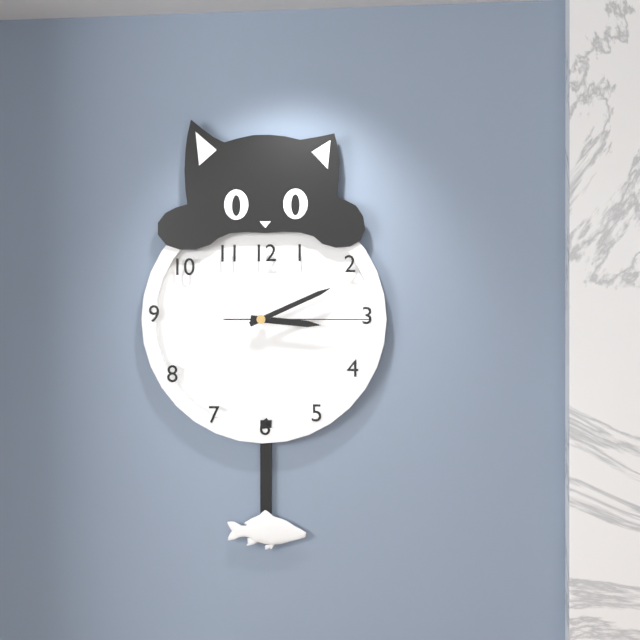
3:11:15
